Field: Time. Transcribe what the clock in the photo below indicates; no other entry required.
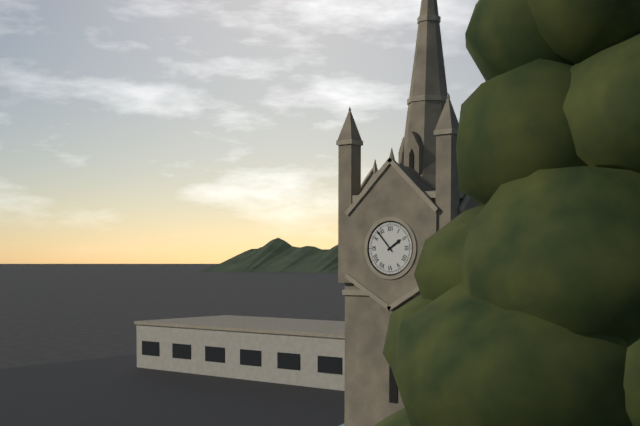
1:53
